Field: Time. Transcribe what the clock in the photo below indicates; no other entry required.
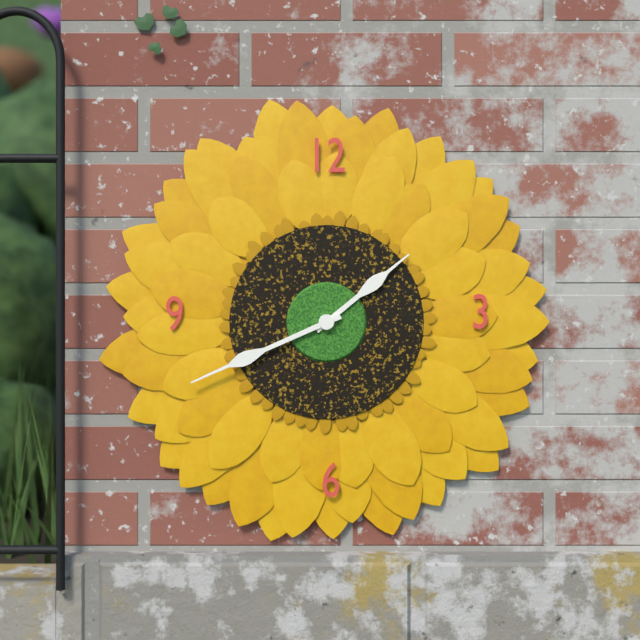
1:41
